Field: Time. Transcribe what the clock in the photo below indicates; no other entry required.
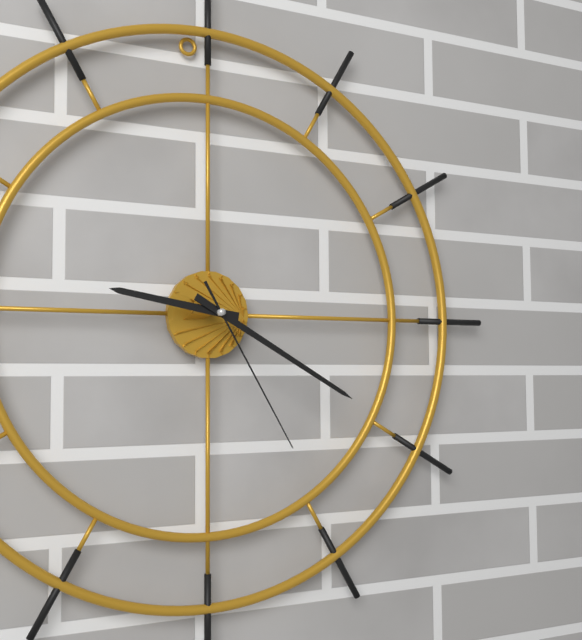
9:20:25
